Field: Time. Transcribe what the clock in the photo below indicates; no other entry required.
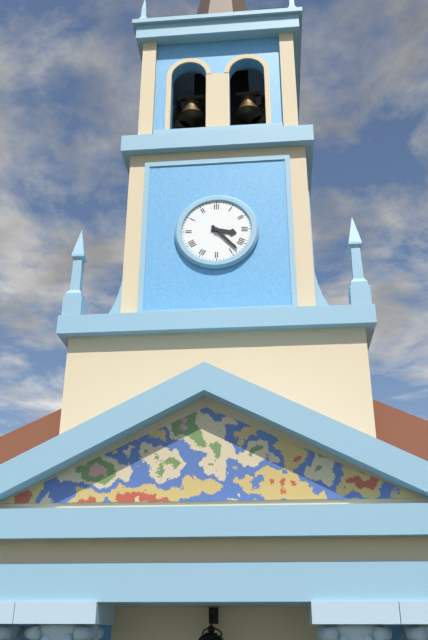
3:23
